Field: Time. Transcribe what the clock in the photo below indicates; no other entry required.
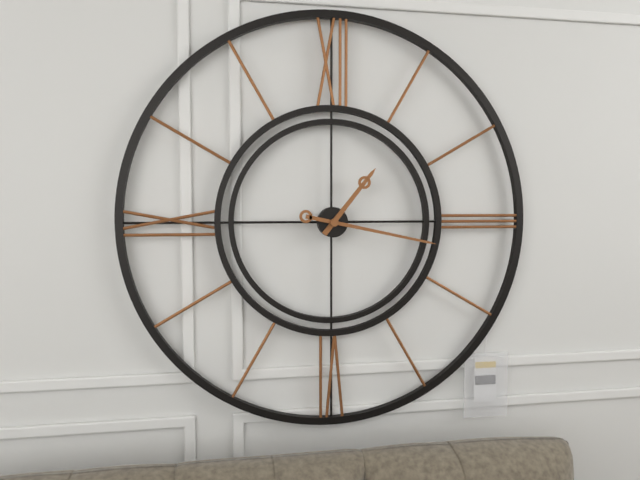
1:17
